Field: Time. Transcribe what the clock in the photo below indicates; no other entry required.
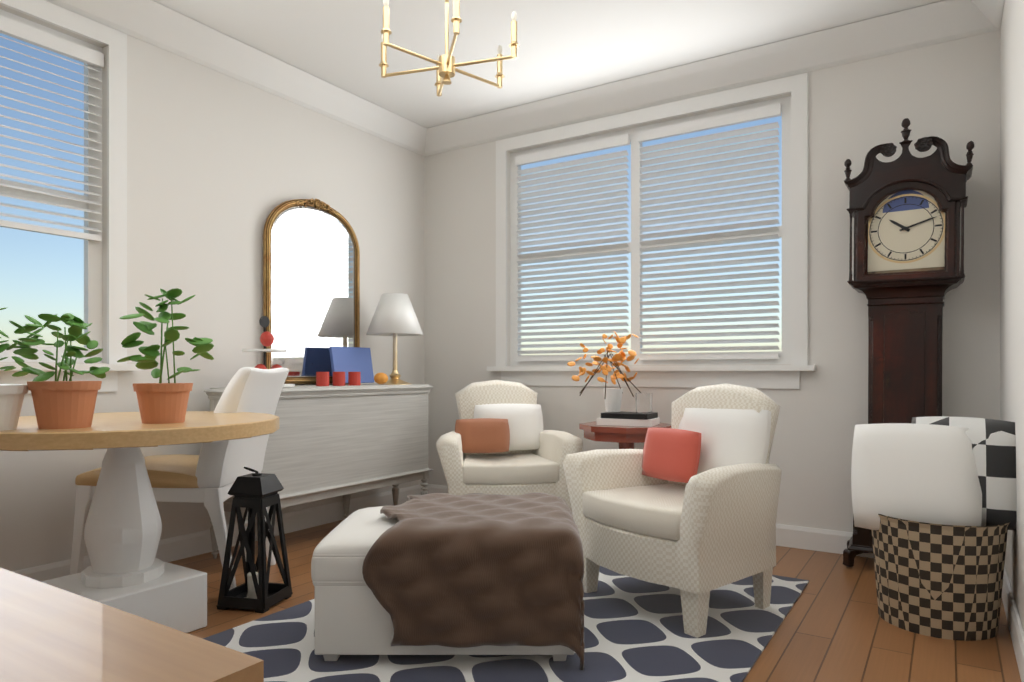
10:12
